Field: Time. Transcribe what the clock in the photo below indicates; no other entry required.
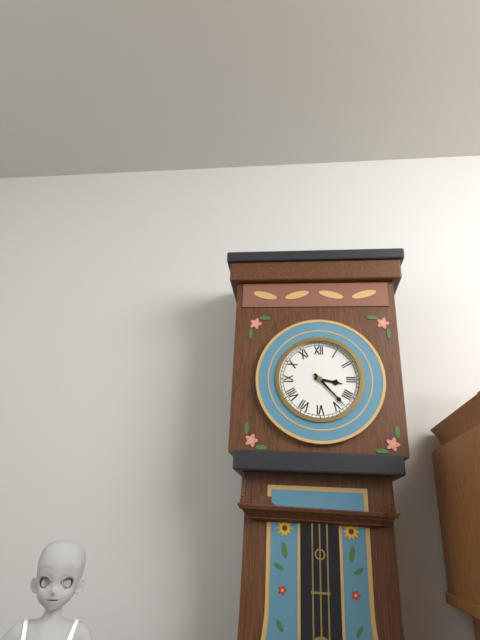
3:23
